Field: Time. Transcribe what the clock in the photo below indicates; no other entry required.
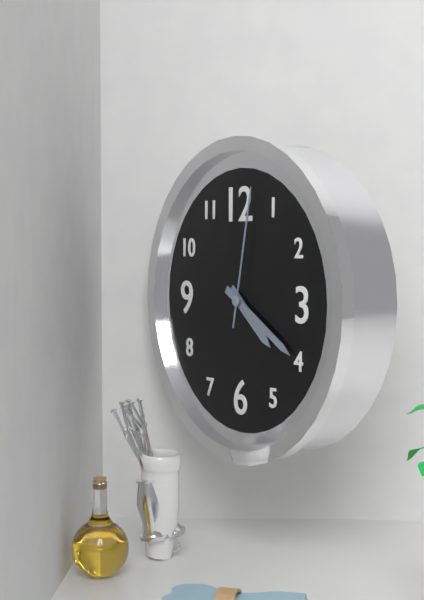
4:20:02
